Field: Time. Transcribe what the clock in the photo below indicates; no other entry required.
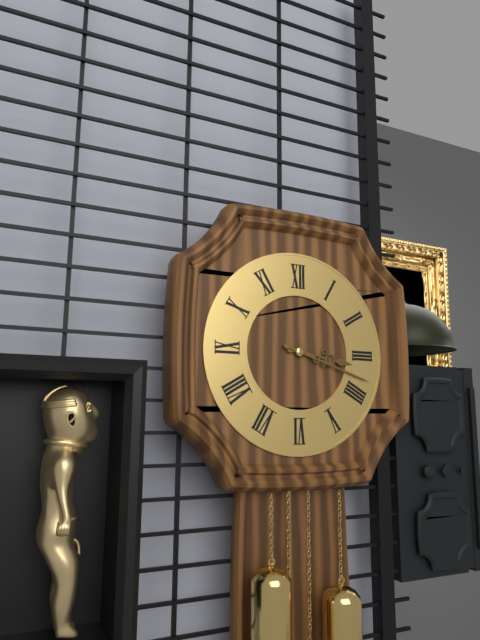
3:18
